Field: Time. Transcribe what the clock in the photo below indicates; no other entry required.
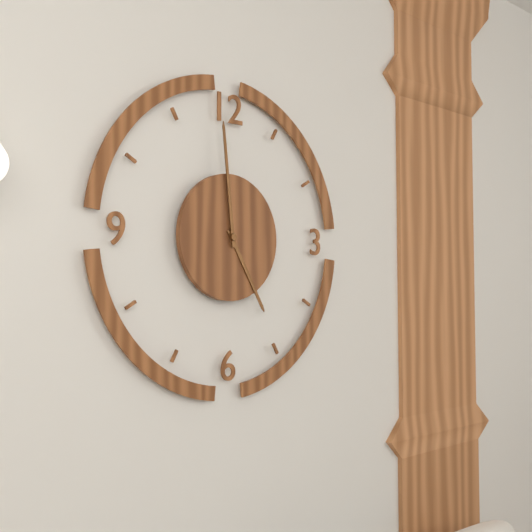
4:59
